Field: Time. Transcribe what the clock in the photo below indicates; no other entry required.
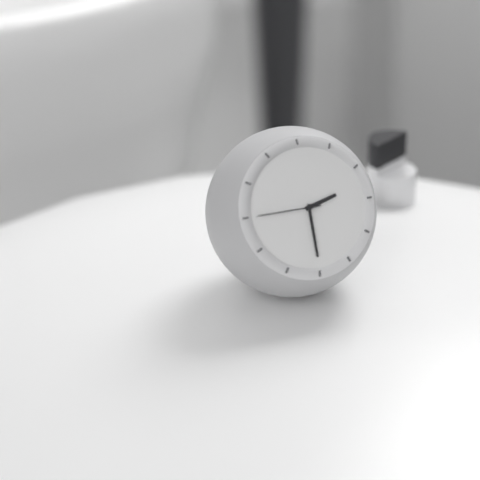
2:30:45
